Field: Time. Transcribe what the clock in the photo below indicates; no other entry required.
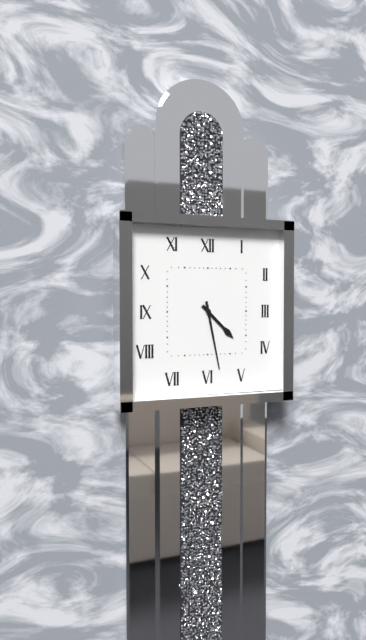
4:28
